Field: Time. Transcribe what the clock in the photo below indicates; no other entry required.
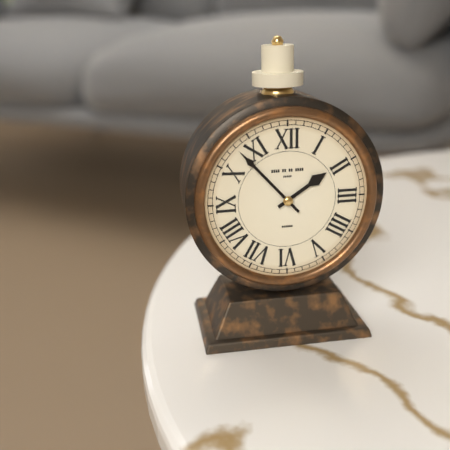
1:53
